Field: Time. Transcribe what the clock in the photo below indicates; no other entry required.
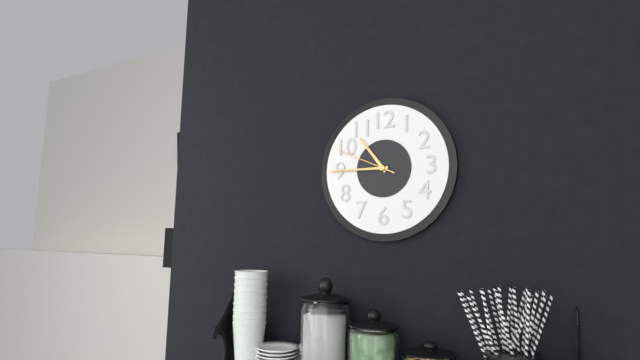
10:45:49
